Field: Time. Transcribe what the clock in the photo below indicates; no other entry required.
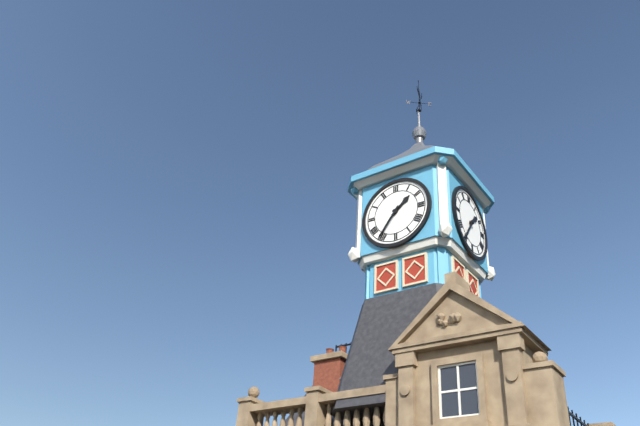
1:36
